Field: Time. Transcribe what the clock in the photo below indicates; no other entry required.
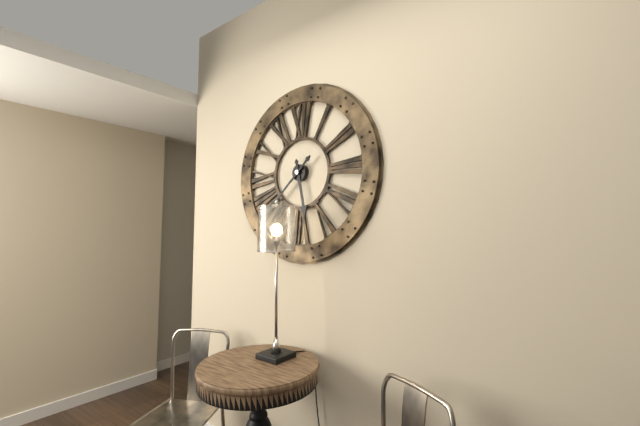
5:38
